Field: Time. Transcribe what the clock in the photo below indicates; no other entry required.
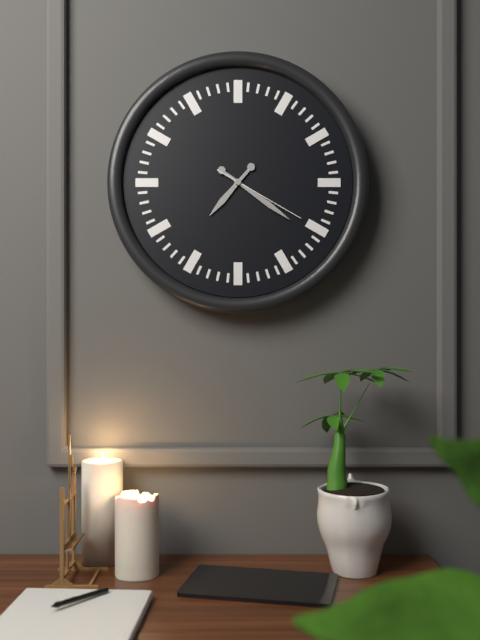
7:21:20
